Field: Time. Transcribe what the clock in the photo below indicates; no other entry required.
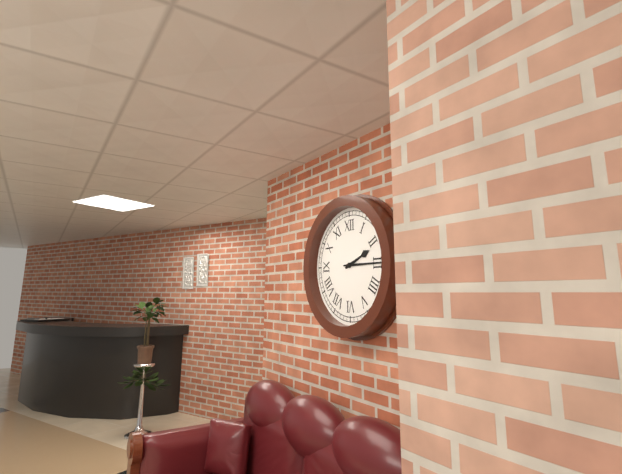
2:15
